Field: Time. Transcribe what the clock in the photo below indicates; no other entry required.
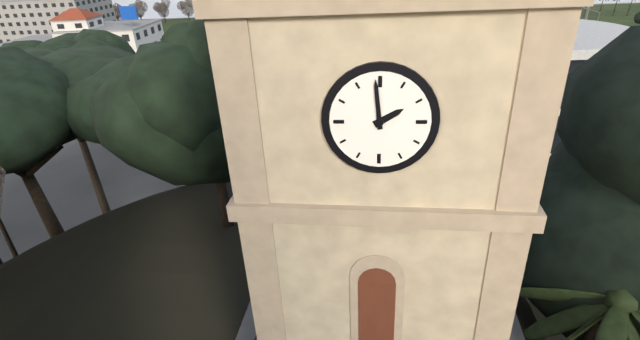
1:59
